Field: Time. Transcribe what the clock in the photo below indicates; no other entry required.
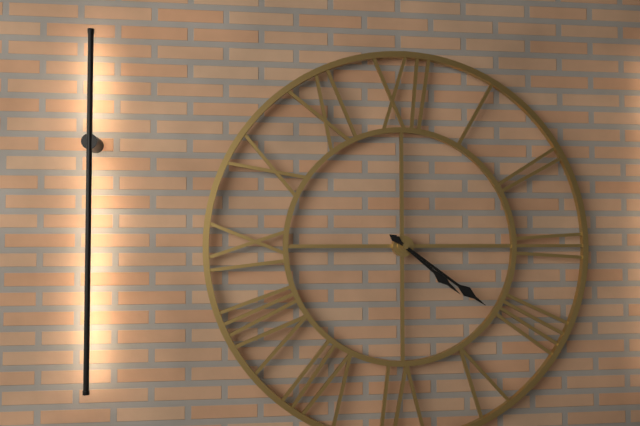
4:21
